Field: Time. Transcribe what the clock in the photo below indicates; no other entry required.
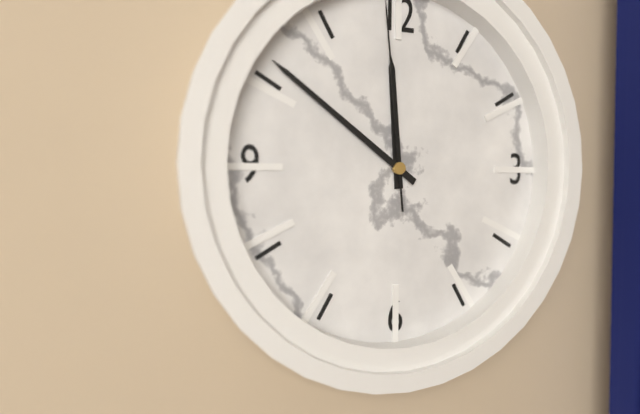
11:51
